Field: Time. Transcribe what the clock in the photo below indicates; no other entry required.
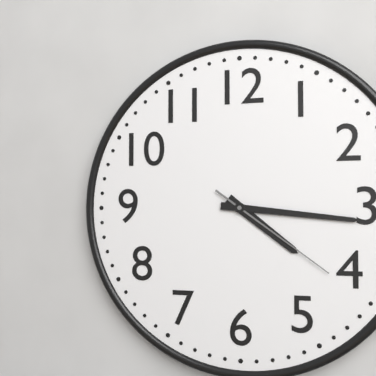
4:16:21
